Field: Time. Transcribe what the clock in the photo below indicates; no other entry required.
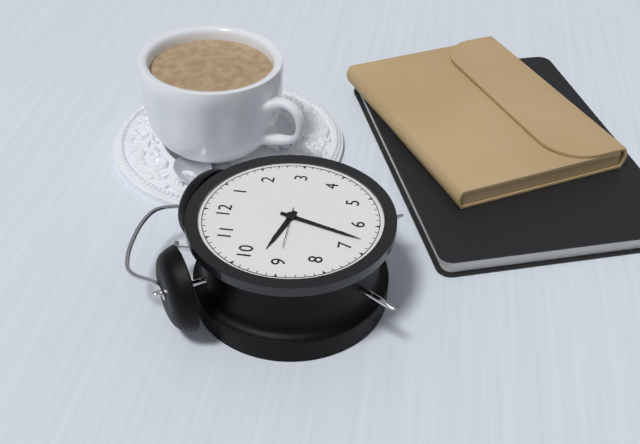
9:33
